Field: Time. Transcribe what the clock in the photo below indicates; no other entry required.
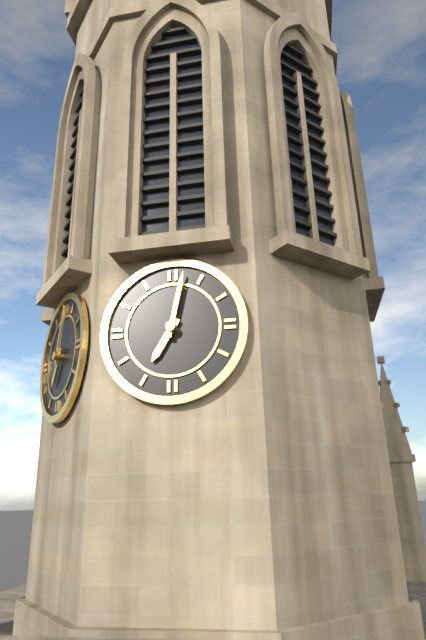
7:02
